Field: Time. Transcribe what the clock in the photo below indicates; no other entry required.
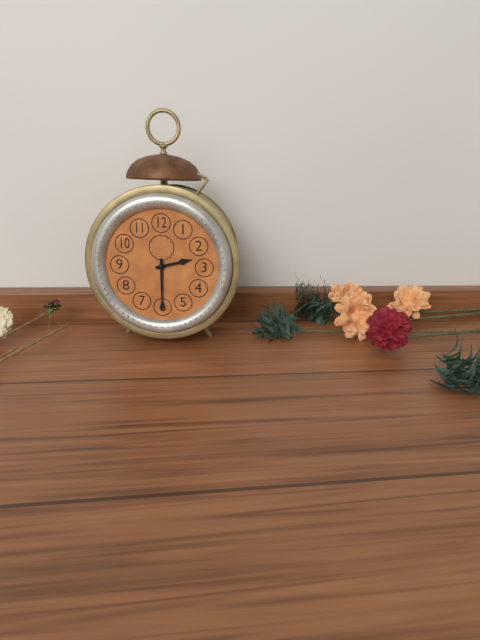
2:30
